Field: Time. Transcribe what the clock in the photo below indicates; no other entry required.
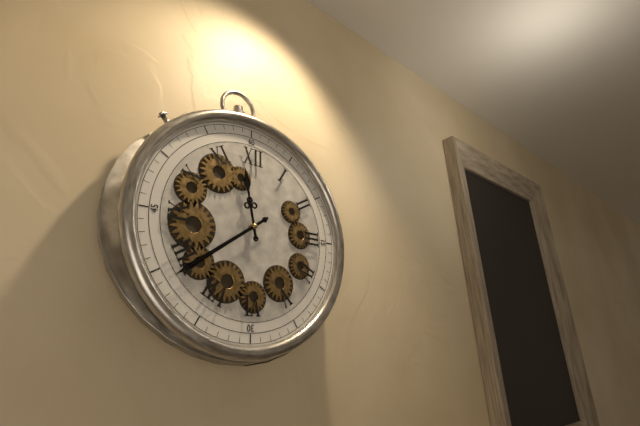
11:39
